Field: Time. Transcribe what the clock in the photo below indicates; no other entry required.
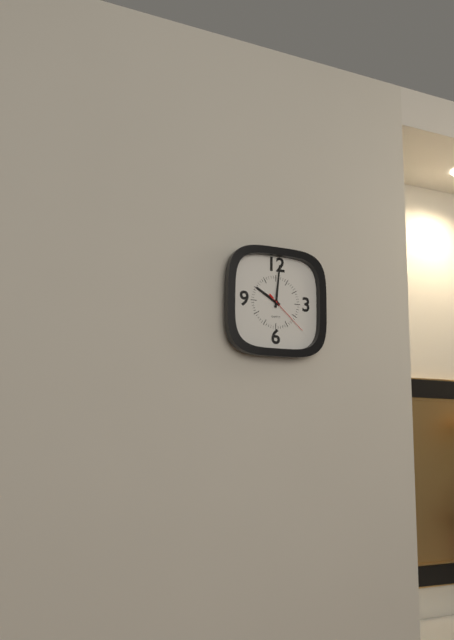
10:01
